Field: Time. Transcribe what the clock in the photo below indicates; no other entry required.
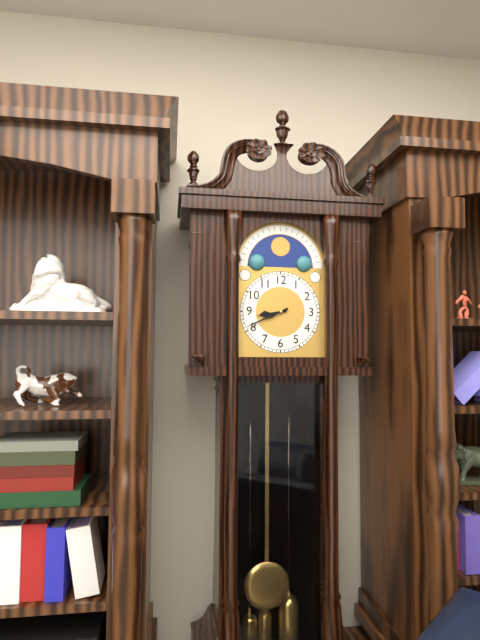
8:41
